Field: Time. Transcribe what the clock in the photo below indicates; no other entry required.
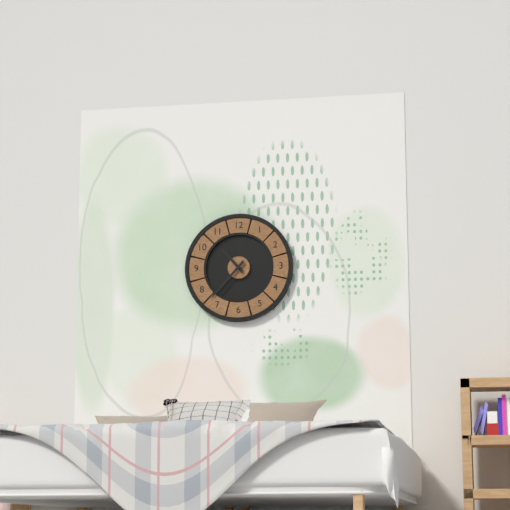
10:37
